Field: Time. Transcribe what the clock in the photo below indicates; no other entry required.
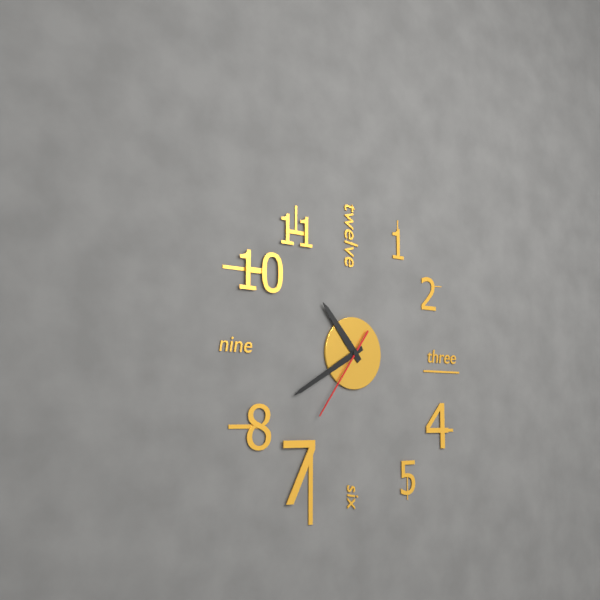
10:40:36
